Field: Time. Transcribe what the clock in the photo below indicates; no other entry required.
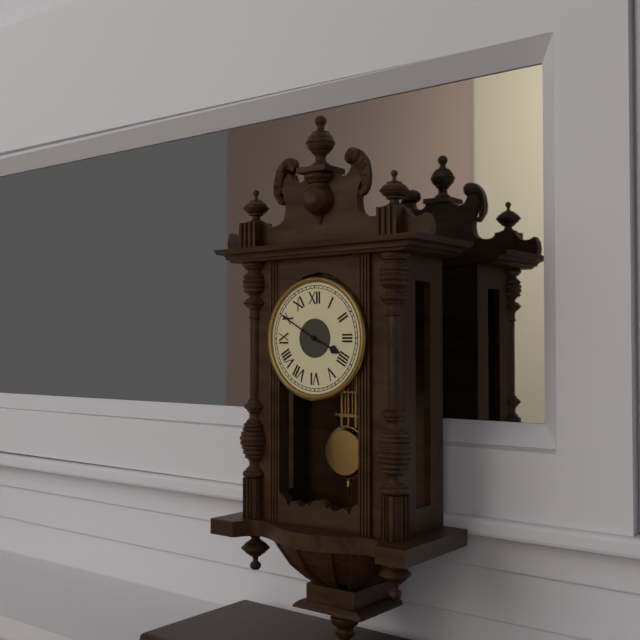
3:50
